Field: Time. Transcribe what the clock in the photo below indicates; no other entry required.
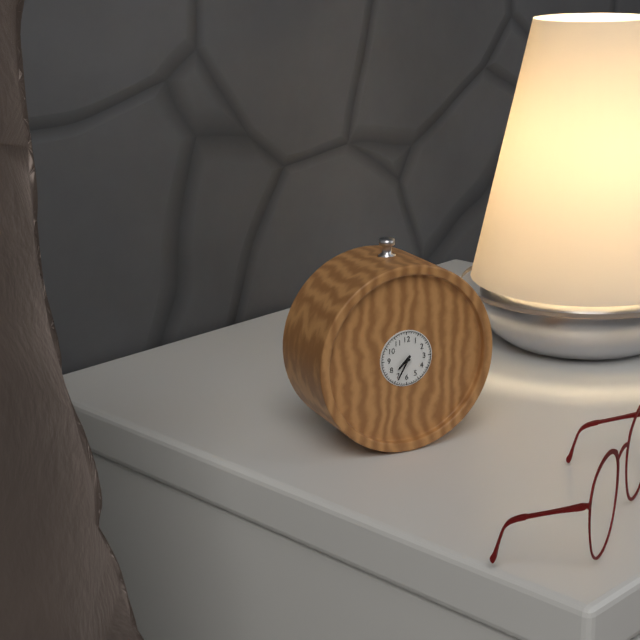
7:35
